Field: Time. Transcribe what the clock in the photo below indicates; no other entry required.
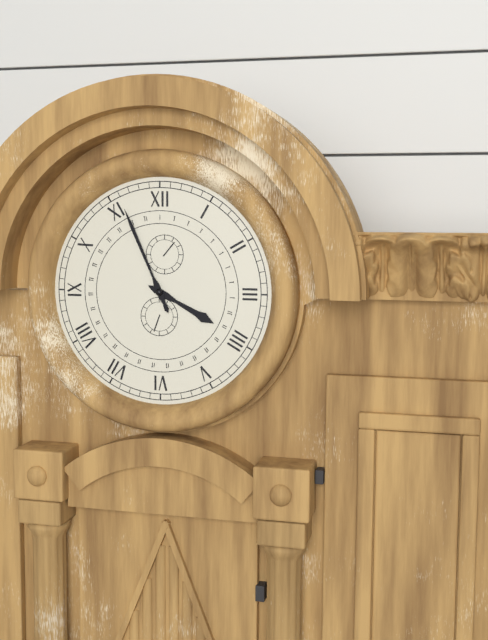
3:56
